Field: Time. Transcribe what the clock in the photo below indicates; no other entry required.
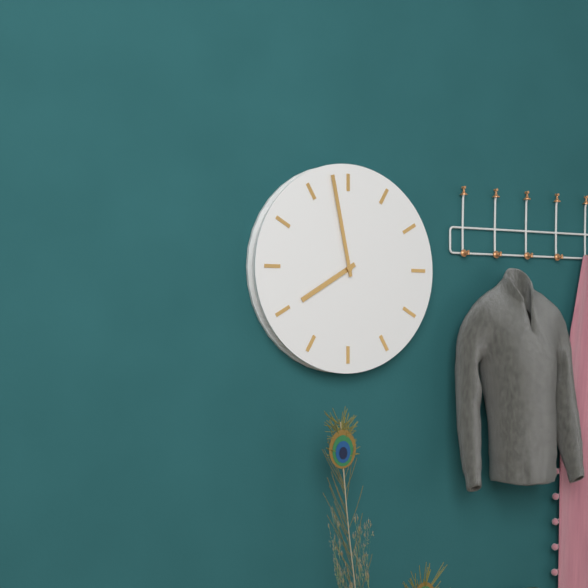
7:58
